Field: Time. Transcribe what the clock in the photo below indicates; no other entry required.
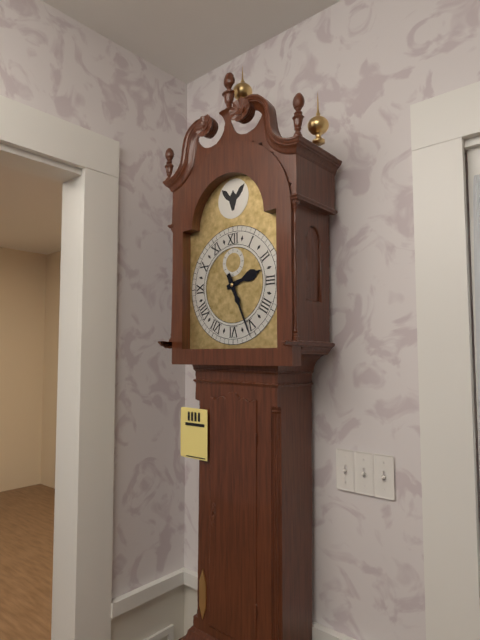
2:26
